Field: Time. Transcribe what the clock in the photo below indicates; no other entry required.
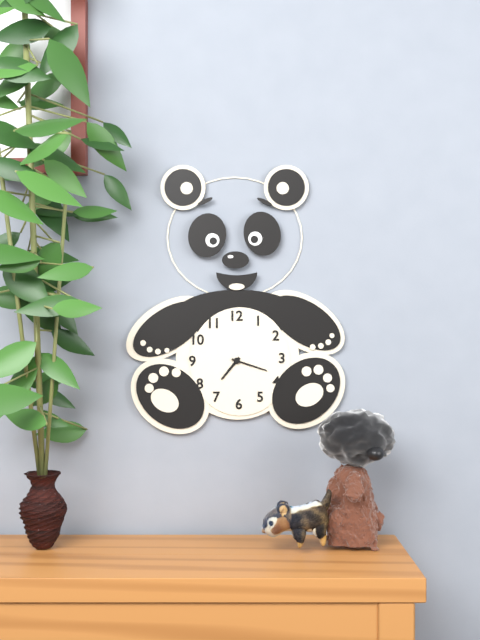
7:18
